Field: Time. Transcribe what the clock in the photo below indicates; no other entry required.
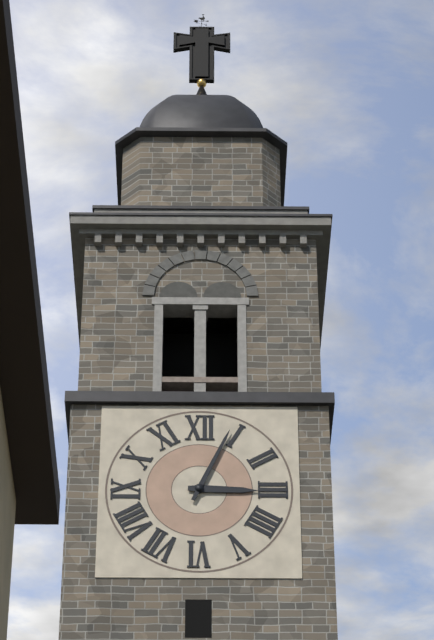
3:04
